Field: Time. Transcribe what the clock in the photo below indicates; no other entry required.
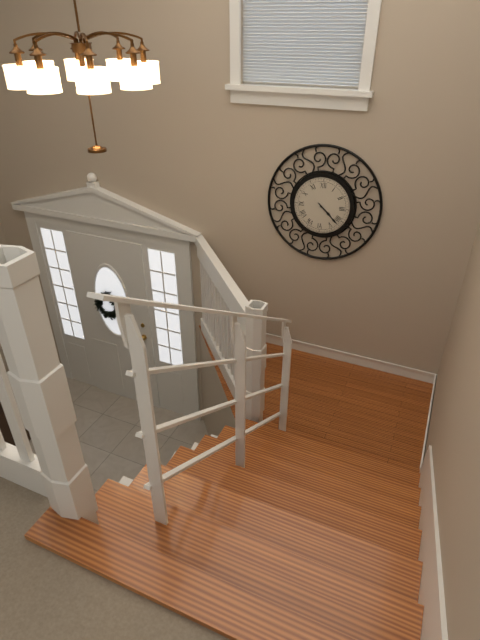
4:22
